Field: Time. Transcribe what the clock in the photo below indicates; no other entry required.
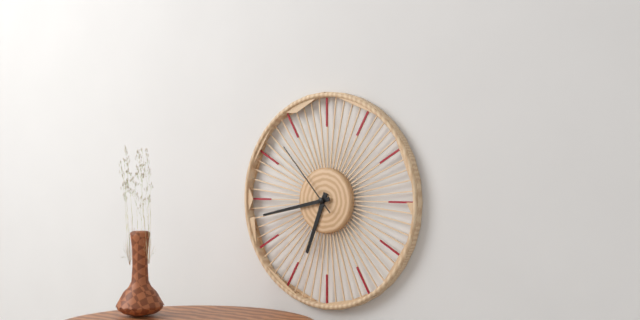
6:43:53
